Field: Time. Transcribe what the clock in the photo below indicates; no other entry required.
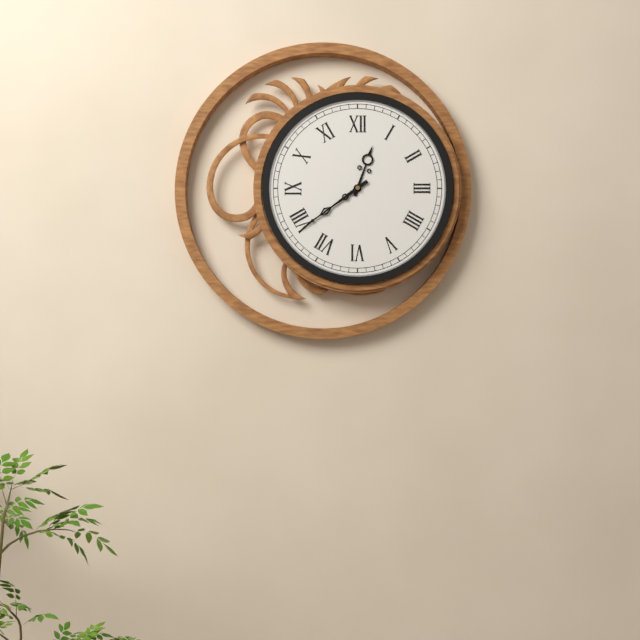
12:39
